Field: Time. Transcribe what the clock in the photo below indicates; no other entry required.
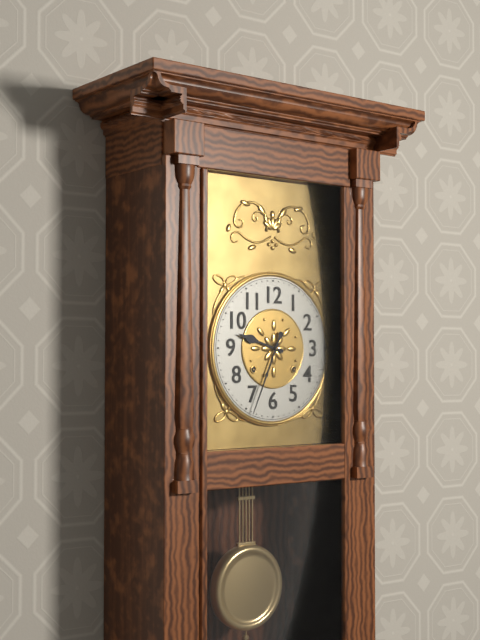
9:34
